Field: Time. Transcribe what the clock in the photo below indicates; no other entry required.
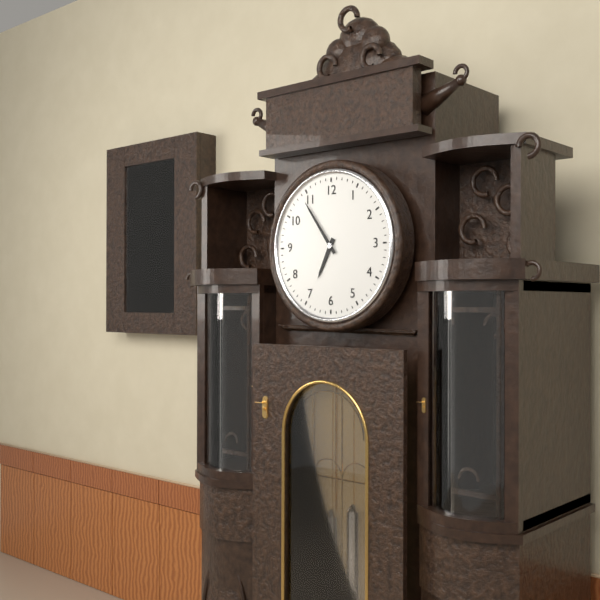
6:54
